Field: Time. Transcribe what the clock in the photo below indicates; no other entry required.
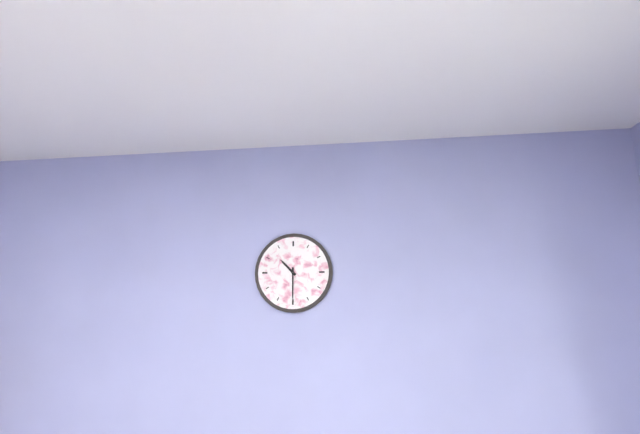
10:30
